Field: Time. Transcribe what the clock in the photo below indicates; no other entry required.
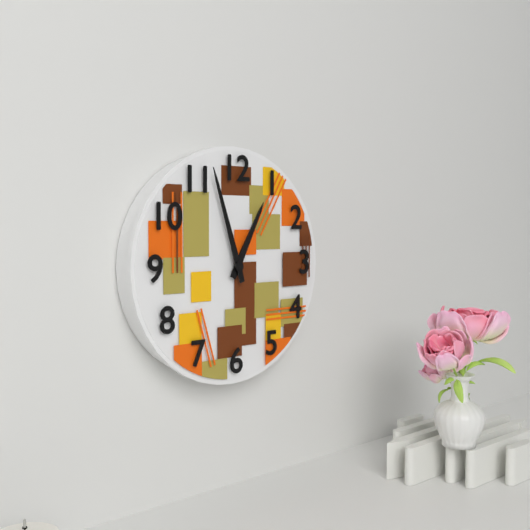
12:57
